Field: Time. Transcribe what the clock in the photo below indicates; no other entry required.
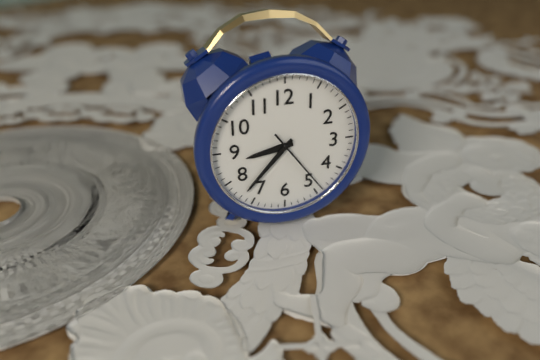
8:37:24
